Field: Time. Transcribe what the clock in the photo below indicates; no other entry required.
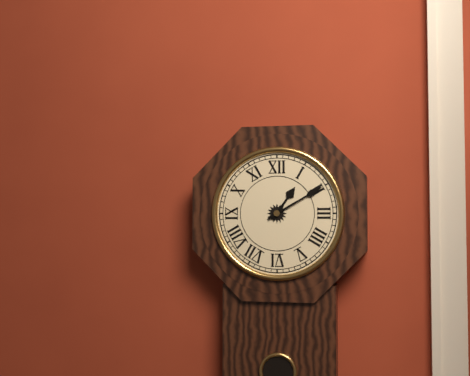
1:10
